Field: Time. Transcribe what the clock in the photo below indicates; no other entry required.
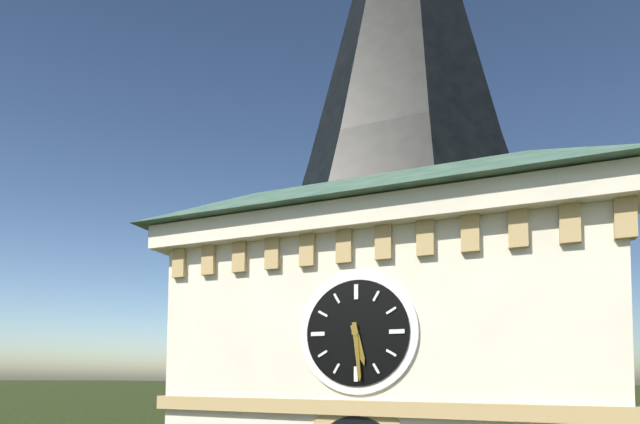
5:29
